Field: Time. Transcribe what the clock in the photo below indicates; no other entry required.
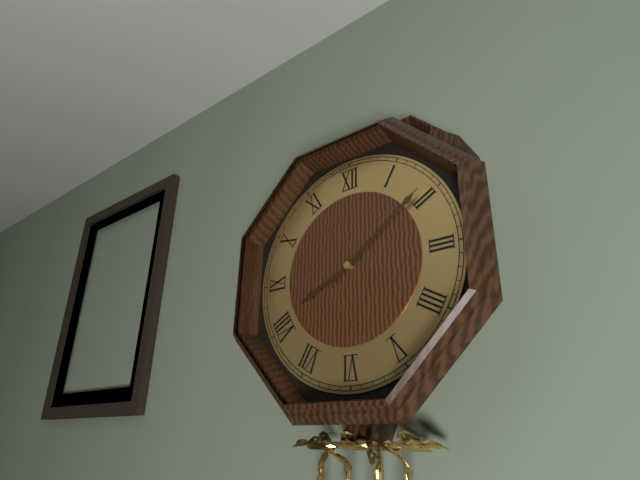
8:09
